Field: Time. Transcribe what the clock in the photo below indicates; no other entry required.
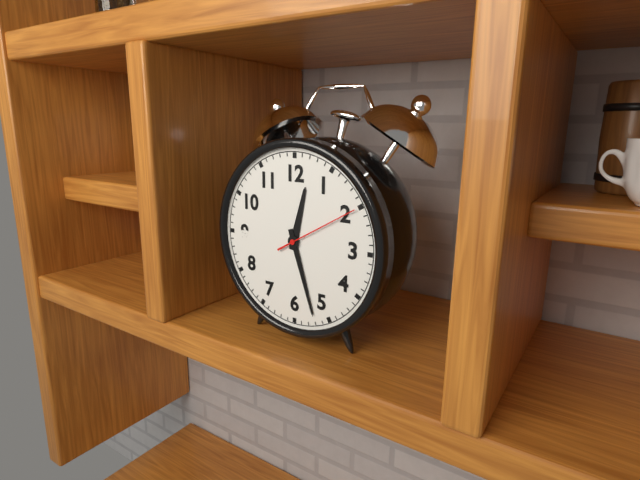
12:27:10
